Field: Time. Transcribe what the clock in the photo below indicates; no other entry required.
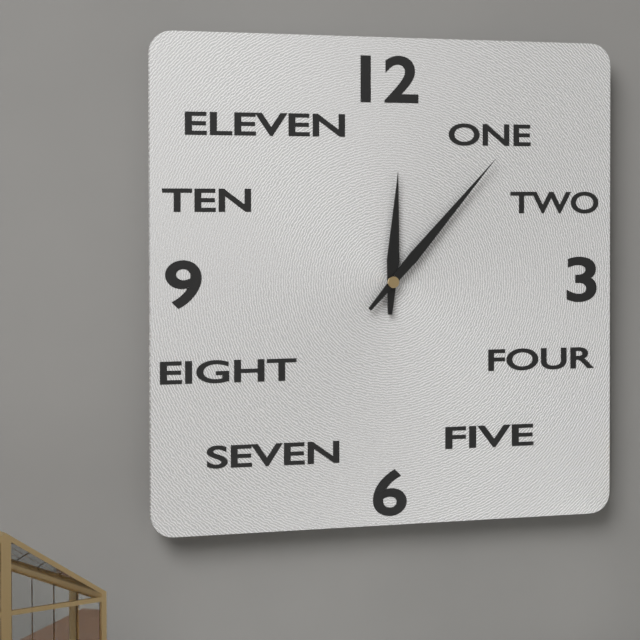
12:07
